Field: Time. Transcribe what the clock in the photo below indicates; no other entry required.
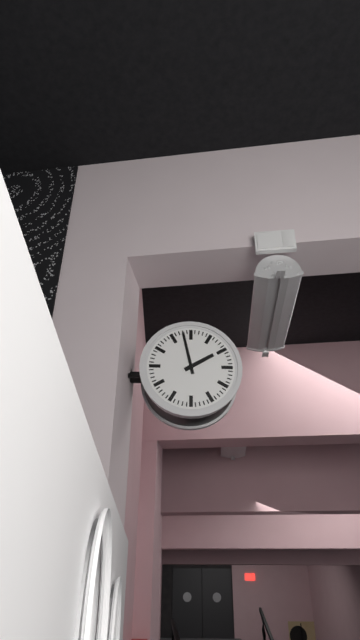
1:58
